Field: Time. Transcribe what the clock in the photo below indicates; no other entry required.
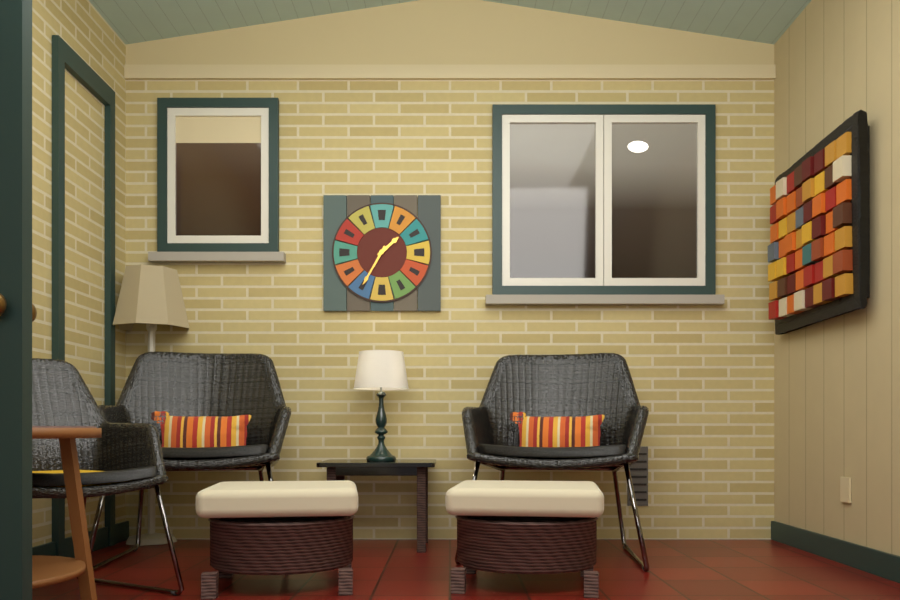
1:35
